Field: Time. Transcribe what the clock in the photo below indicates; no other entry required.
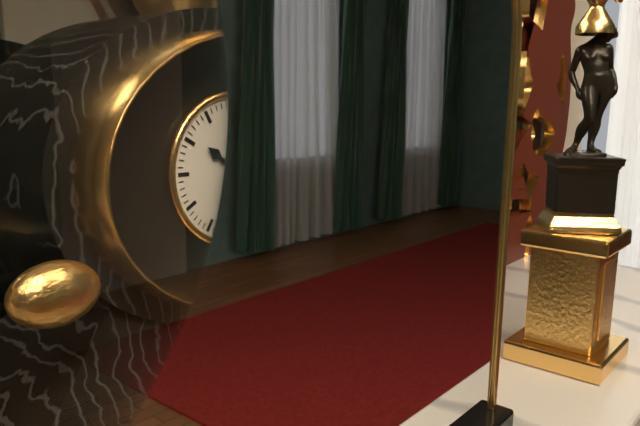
10:13
